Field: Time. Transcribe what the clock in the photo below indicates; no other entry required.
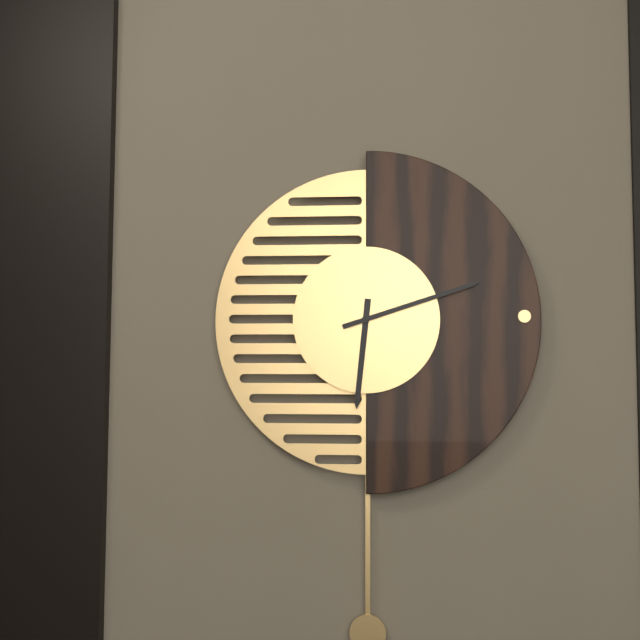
6:12
